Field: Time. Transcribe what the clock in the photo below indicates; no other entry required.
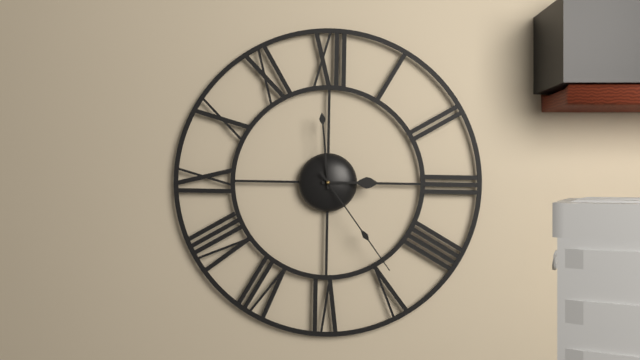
2:59:24
